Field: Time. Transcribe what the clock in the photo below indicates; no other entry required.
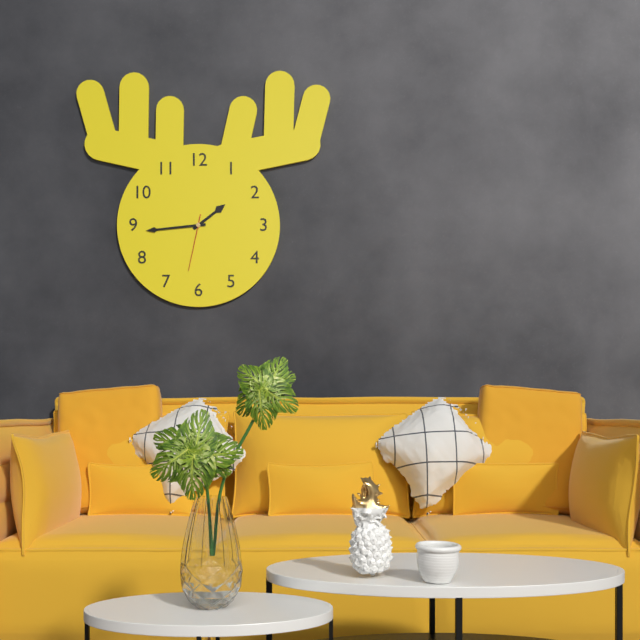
1:44:32
